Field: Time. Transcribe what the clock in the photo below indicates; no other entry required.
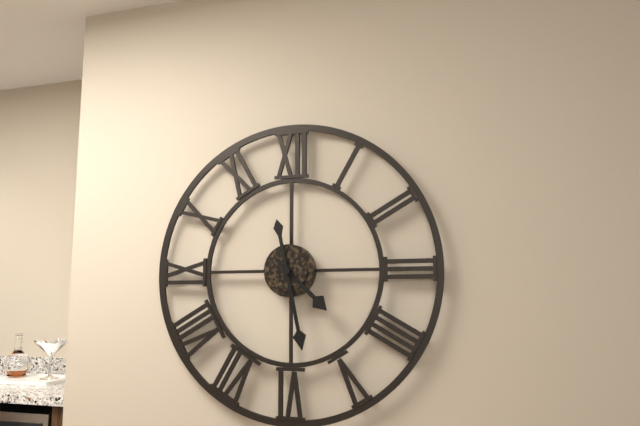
4:28
